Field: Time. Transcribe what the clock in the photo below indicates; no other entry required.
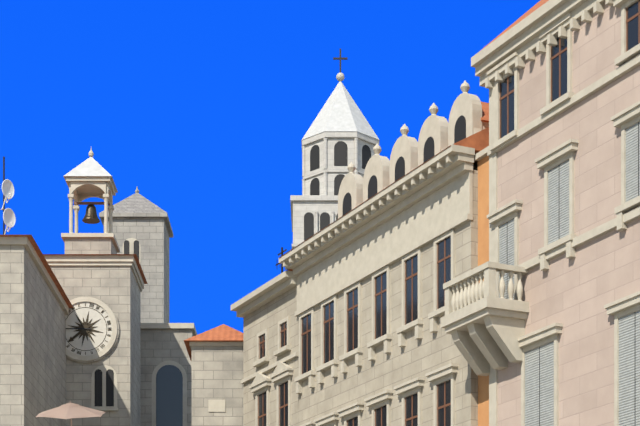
7:45
